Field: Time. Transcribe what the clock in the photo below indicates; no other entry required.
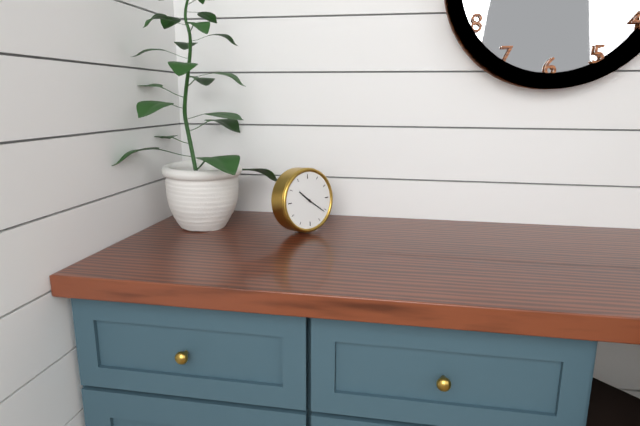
10:21
